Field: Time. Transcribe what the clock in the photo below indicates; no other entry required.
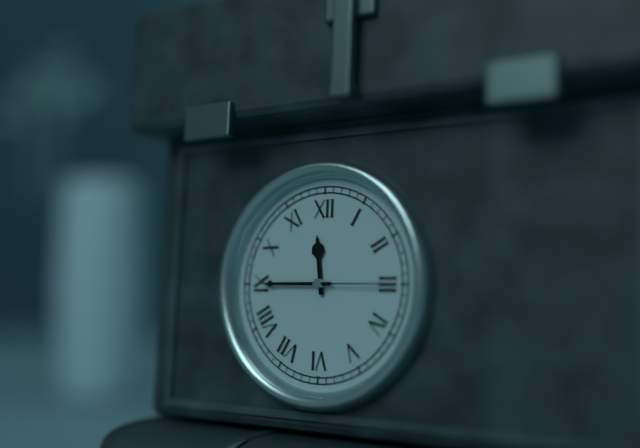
11:45:15
